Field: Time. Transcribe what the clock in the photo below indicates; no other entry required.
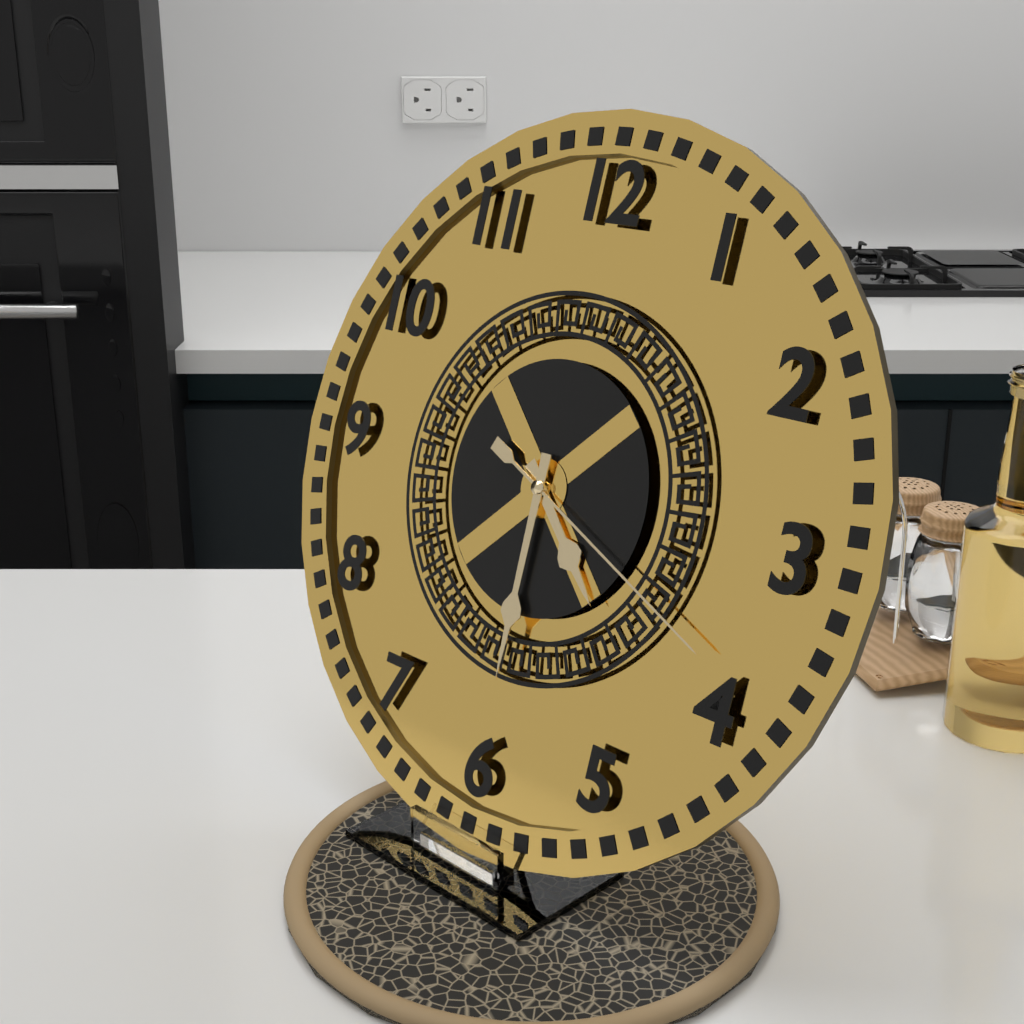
4:30:19
